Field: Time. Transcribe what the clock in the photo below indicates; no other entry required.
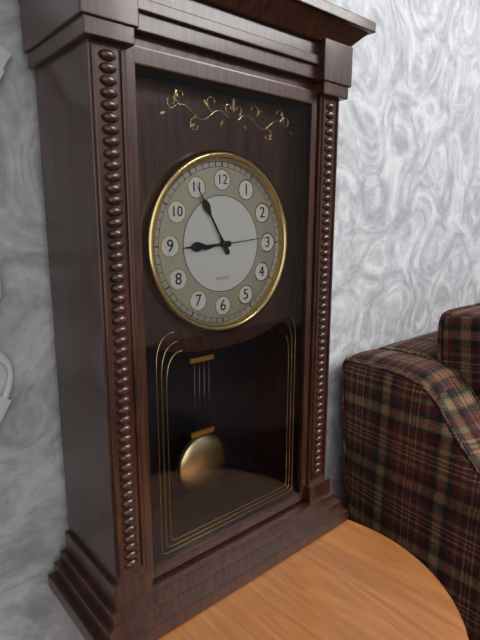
8:55:14
